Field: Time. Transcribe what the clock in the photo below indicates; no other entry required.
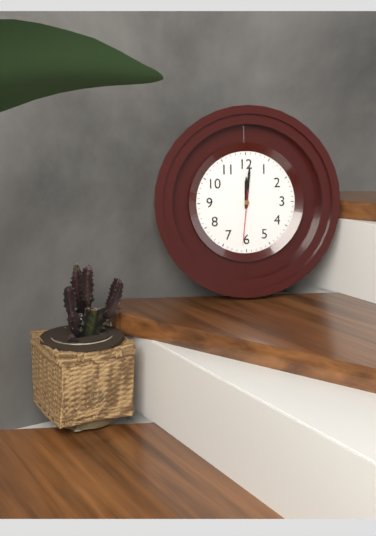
12:01:31
